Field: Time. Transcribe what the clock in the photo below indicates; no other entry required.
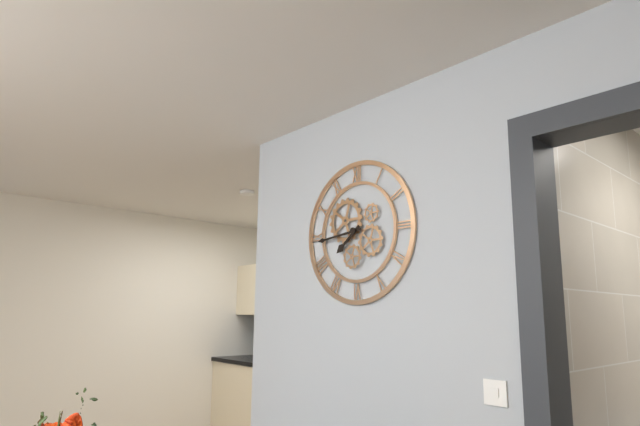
7:44
